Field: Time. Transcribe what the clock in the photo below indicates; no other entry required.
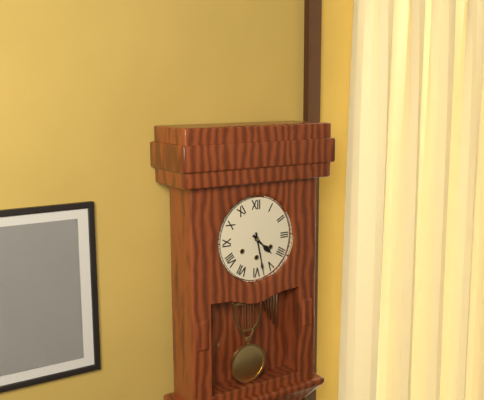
4:28
